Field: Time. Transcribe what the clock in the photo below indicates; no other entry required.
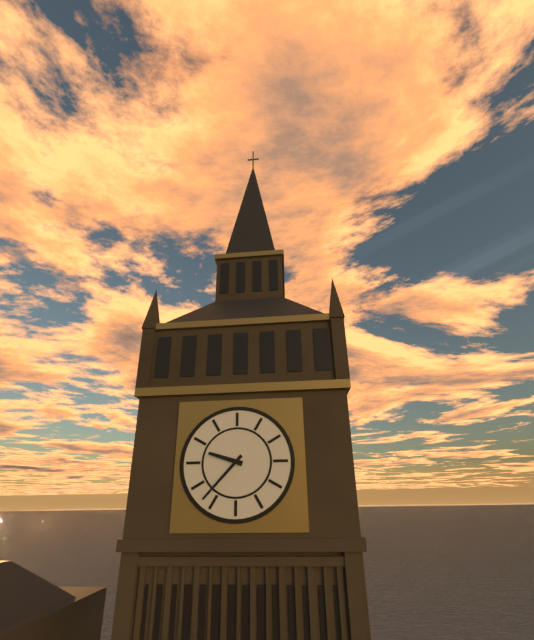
9:37
